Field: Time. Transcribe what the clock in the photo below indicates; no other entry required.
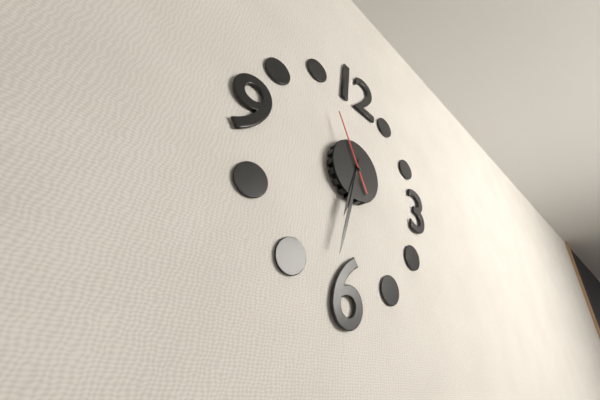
6:32:55
